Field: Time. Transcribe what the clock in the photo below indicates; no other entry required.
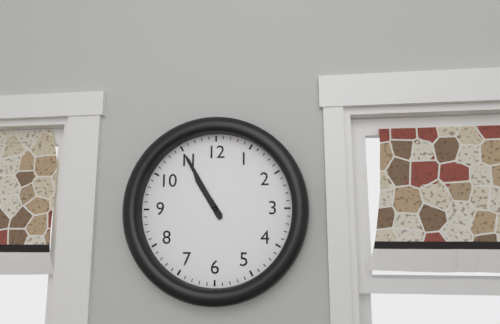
10:55
